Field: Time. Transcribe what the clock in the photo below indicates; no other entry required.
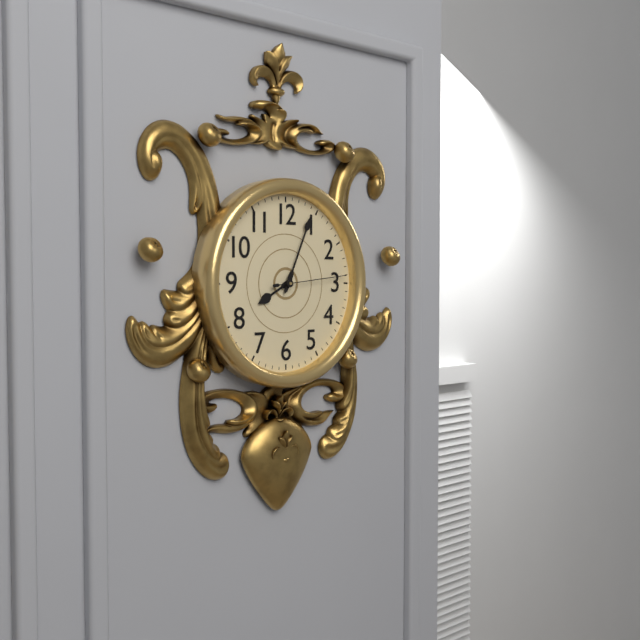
8:04:14
